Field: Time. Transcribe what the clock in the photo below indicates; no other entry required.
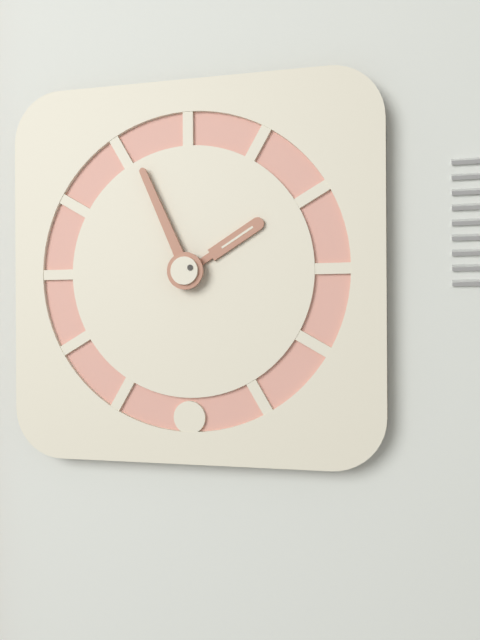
1:56
